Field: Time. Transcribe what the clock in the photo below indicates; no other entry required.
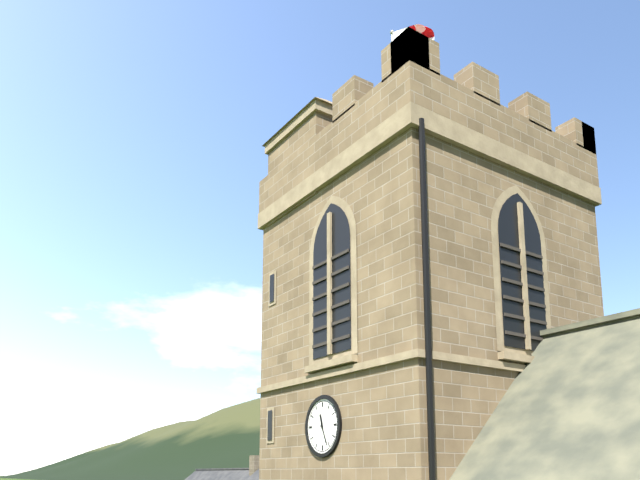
11:26
